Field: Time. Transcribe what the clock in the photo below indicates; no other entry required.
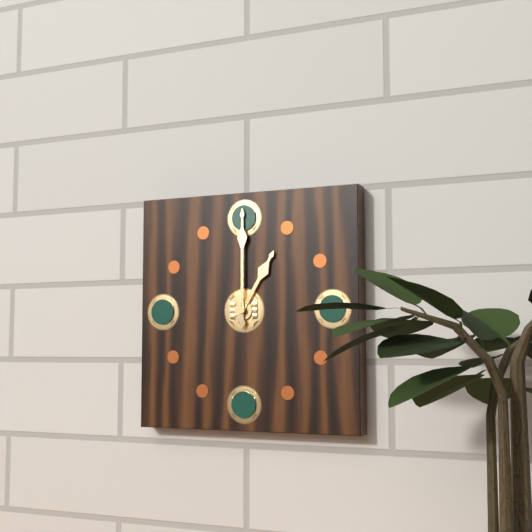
1:00
